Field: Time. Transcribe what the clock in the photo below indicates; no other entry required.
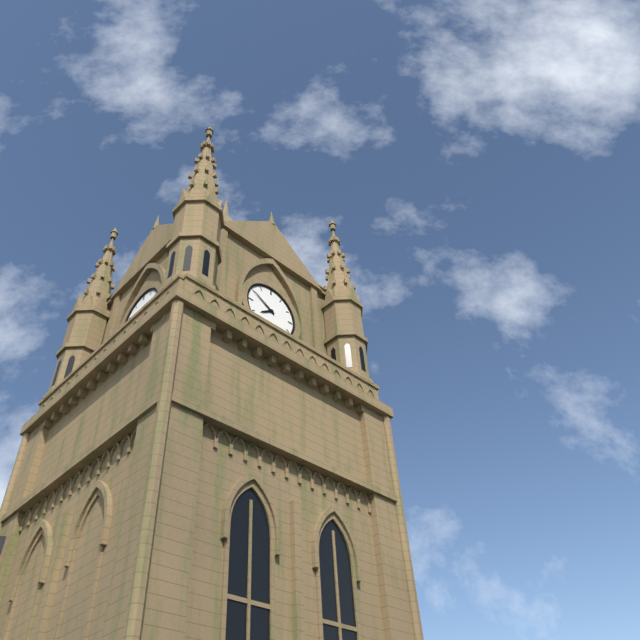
7:50
